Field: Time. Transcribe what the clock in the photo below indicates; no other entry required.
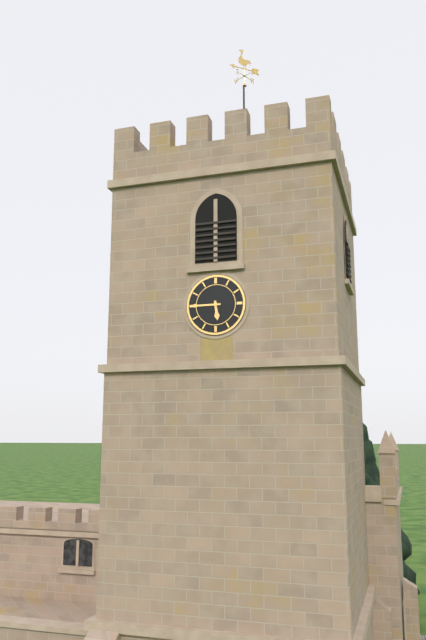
5:45
